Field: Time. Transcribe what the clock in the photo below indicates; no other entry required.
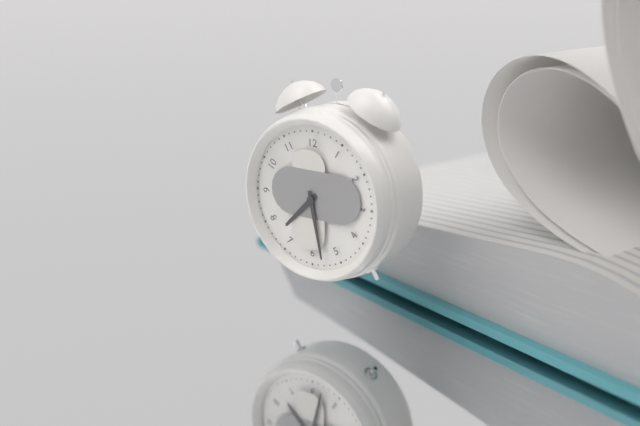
7:28
